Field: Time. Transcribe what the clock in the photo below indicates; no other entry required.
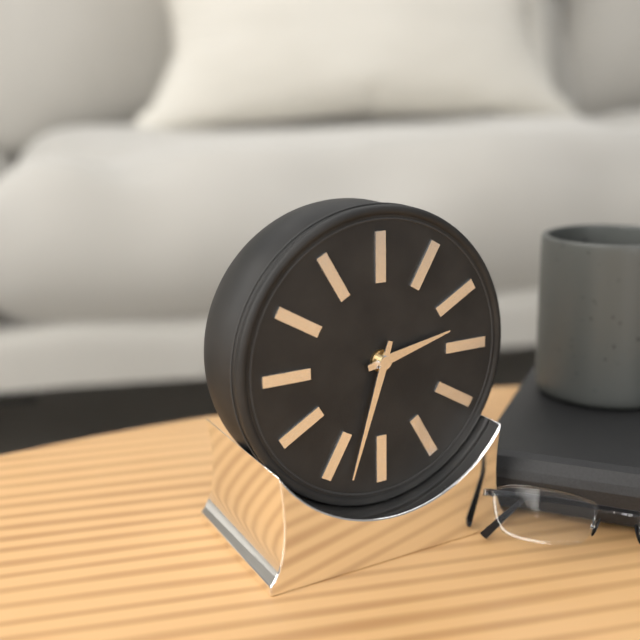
2:33
